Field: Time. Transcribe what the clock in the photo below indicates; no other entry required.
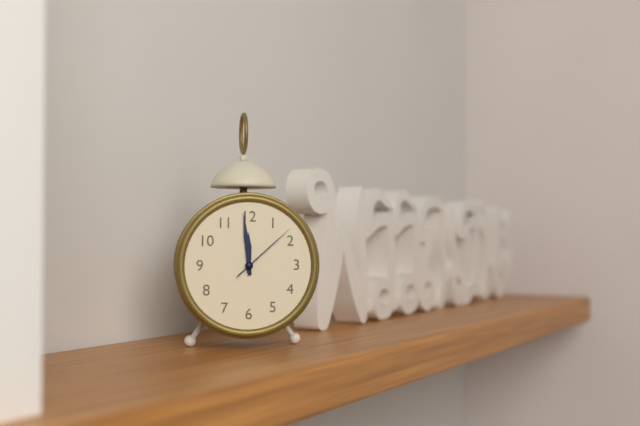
11:59:08
